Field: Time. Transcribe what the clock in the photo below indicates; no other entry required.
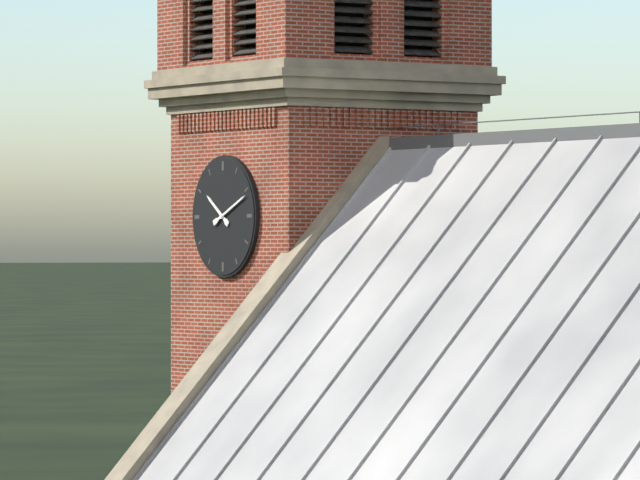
10:11
